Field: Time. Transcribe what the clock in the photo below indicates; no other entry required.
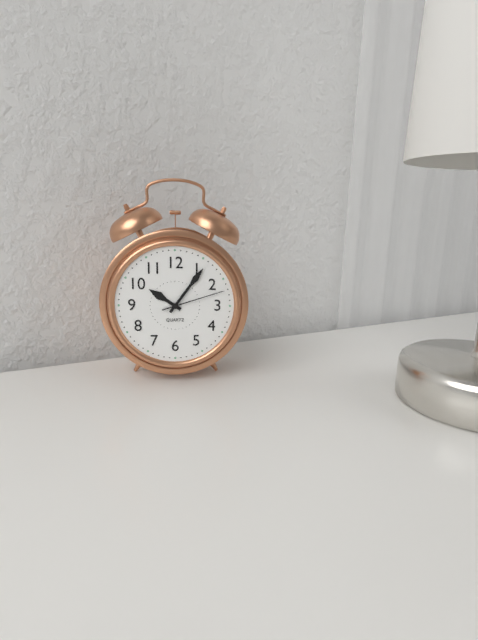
10:06:12
